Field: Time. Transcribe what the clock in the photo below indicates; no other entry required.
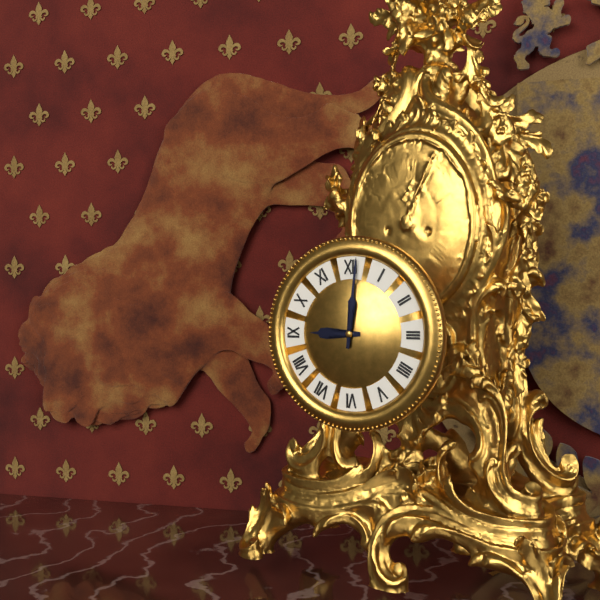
9:01
